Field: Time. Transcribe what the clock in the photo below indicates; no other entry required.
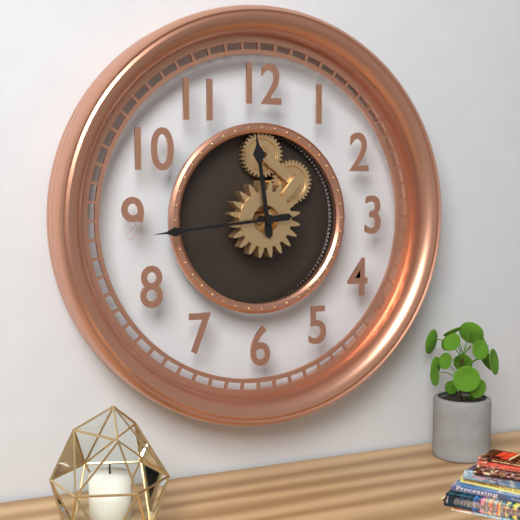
11:44
